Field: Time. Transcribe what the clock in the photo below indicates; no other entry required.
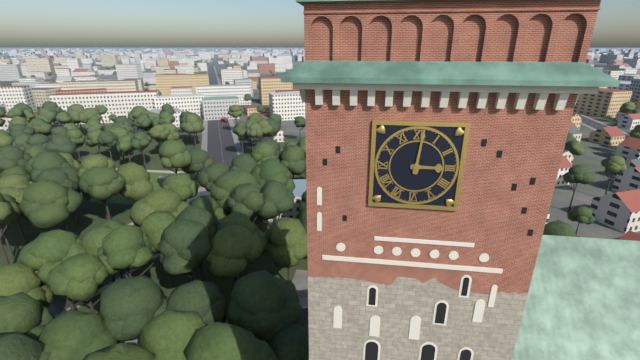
3:01
